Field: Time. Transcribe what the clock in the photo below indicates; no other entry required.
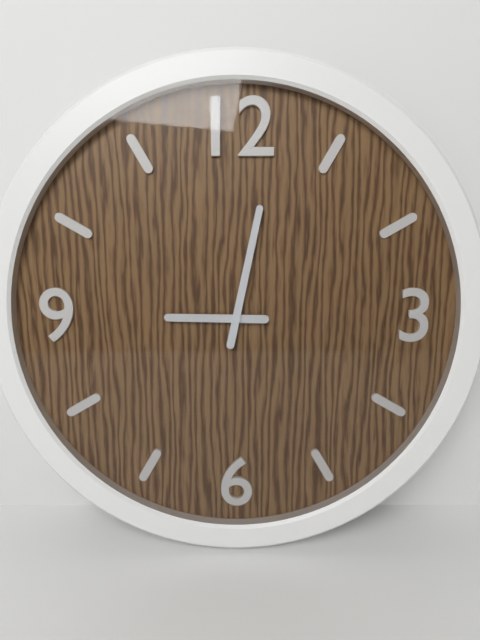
9:02
